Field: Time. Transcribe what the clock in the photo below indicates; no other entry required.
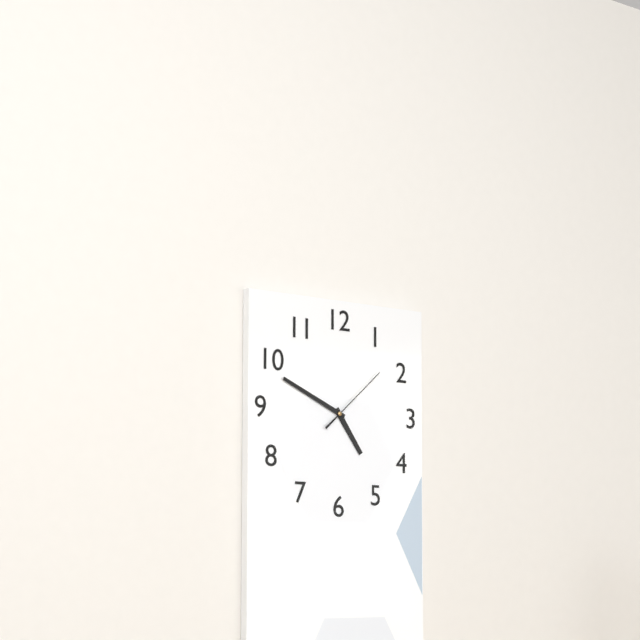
4:49:08
